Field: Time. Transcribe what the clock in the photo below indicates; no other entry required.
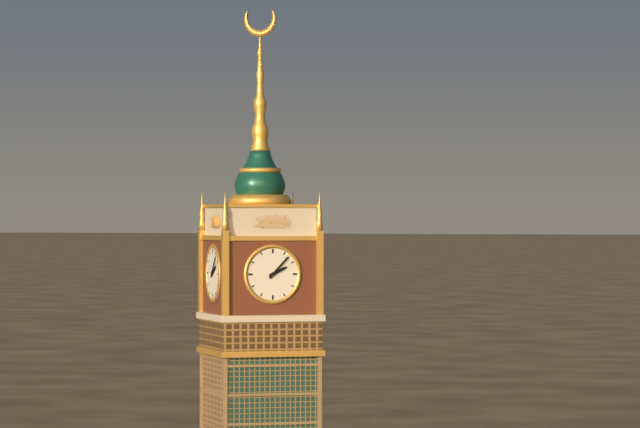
2:07
